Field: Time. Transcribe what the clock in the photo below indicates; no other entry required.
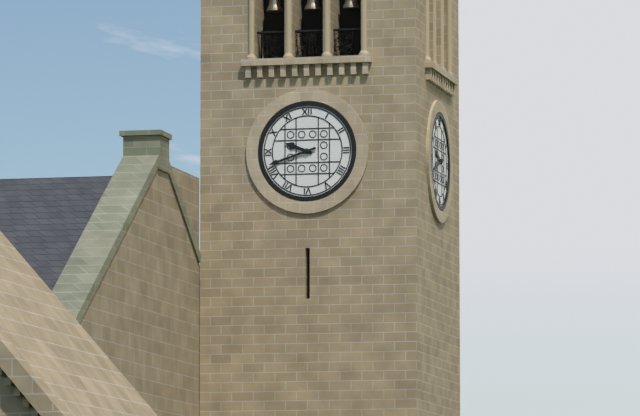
9:42
